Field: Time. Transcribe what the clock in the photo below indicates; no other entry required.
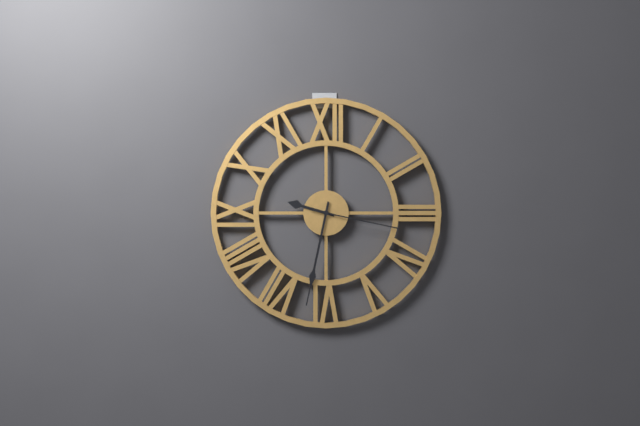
9:32:17
